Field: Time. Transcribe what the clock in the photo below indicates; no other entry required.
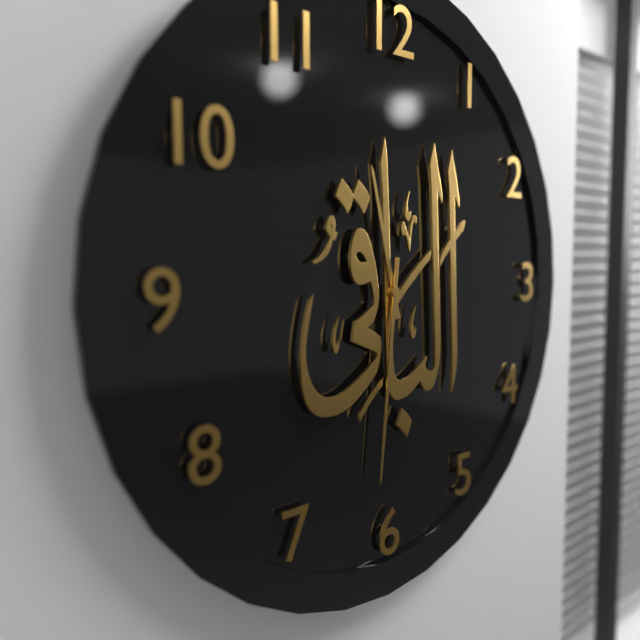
11:31
